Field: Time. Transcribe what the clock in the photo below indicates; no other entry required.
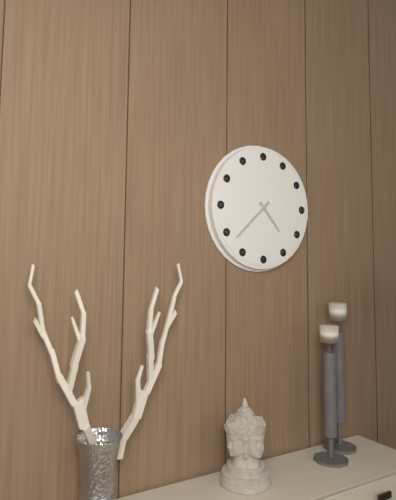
4:38
